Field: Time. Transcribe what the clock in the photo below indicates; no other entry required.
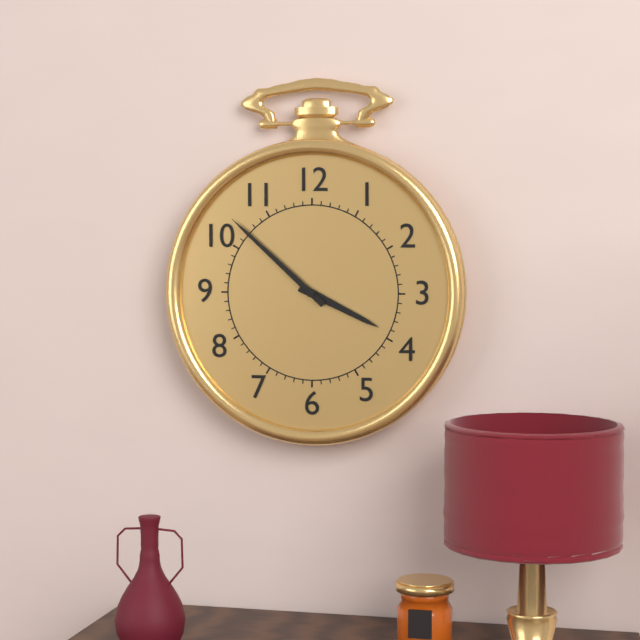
3:52
